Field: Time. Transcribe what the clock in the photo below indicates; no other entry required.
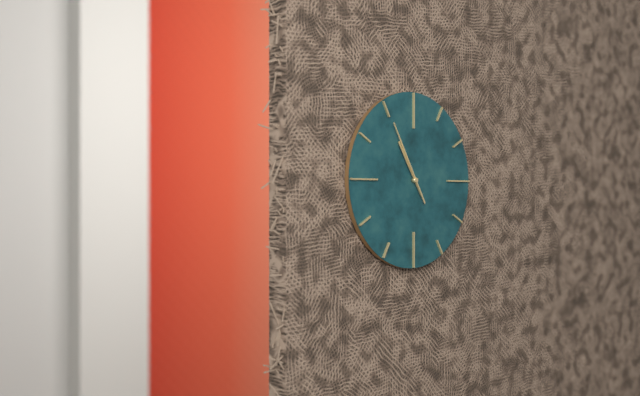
10:55
